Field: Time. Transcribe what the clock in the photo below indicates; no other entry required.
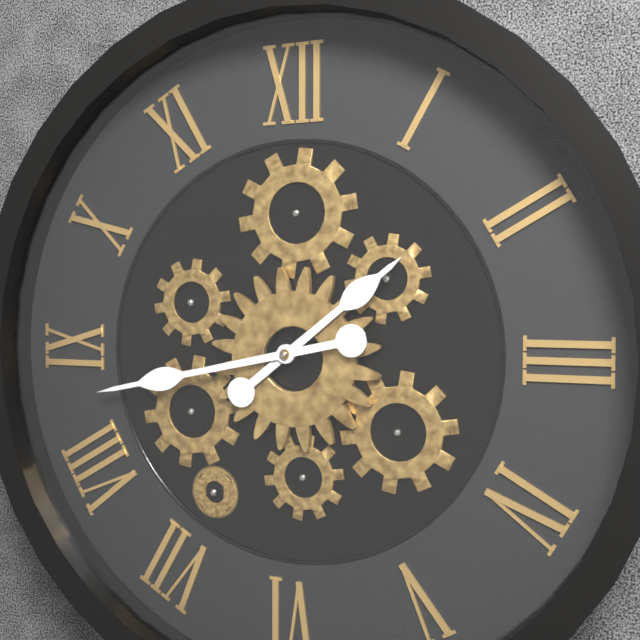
1:43
